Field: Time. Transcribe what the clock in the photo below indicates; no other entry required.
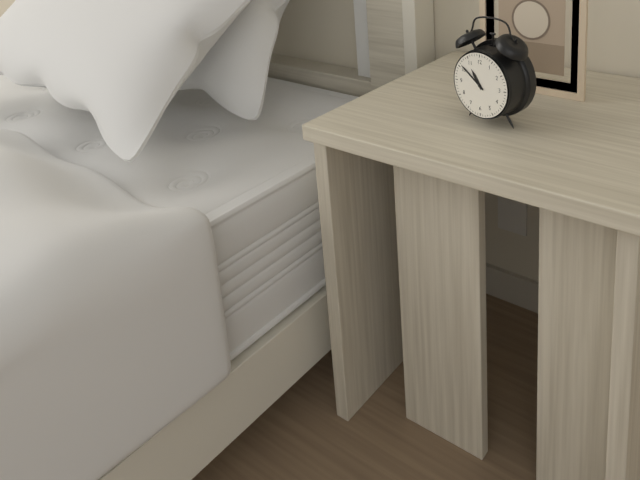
10:51
